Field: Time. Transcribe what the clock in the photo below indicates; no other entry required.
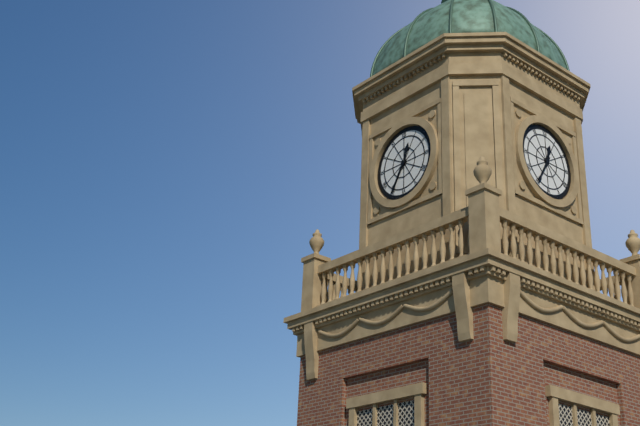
12:35
